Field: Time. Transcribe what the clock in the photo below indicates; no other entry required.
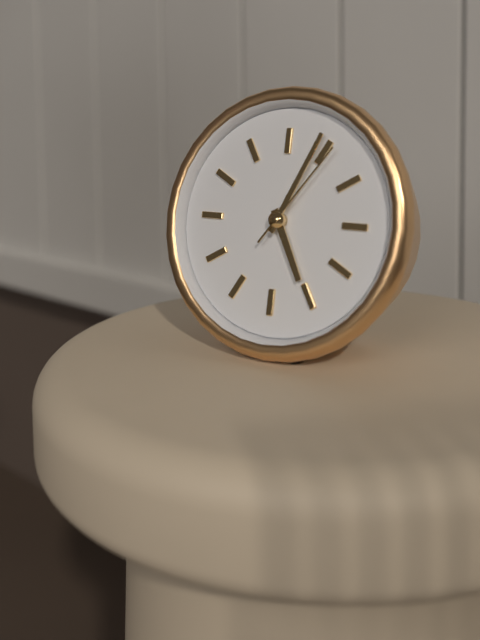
5:04:06
